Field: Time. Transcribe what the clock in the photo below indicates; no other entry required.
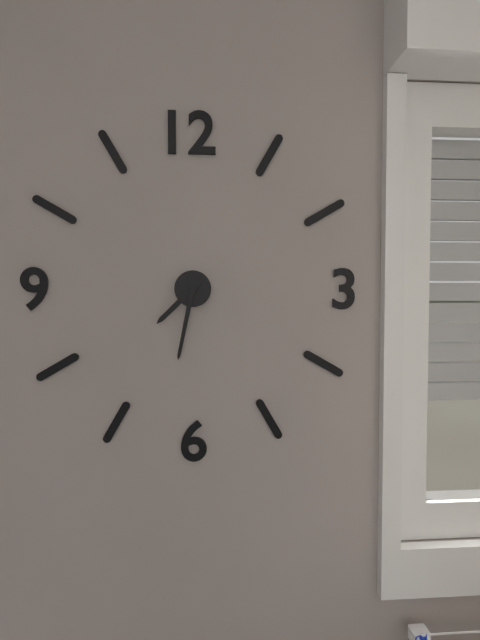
7:32
